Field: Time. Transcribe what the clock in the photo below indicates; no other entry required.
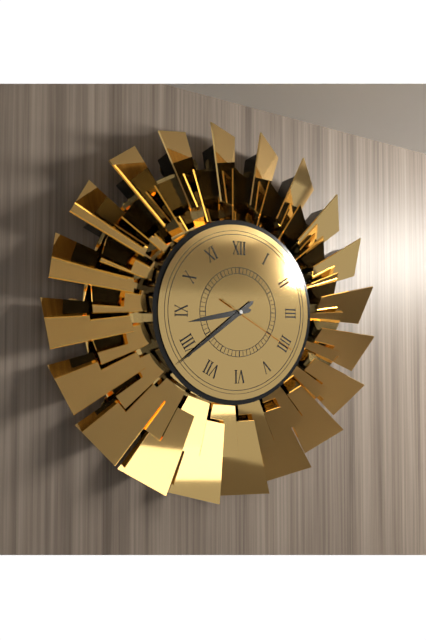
8:39:20
